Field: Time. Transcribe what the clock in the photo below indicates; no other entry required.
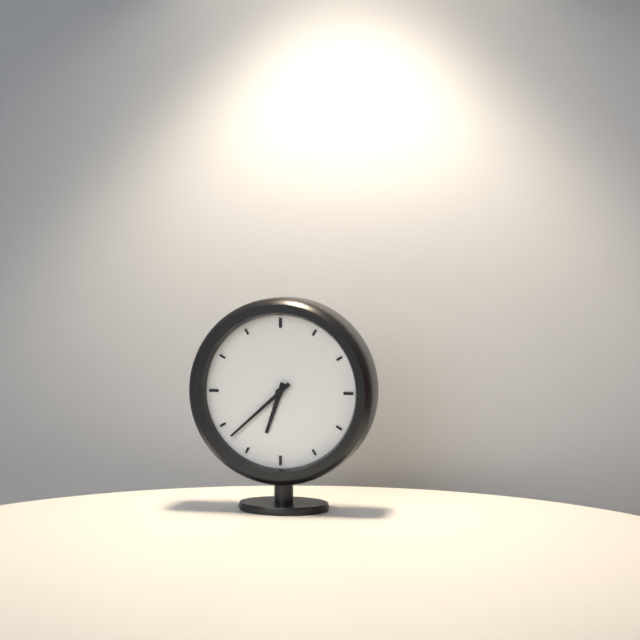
6:38
